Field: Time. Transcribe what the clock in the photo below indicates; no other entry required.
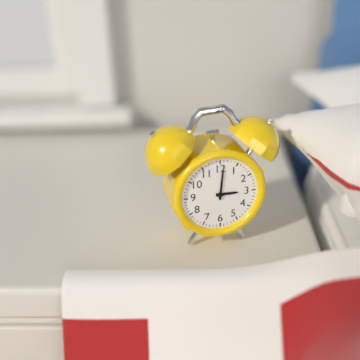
3:01
